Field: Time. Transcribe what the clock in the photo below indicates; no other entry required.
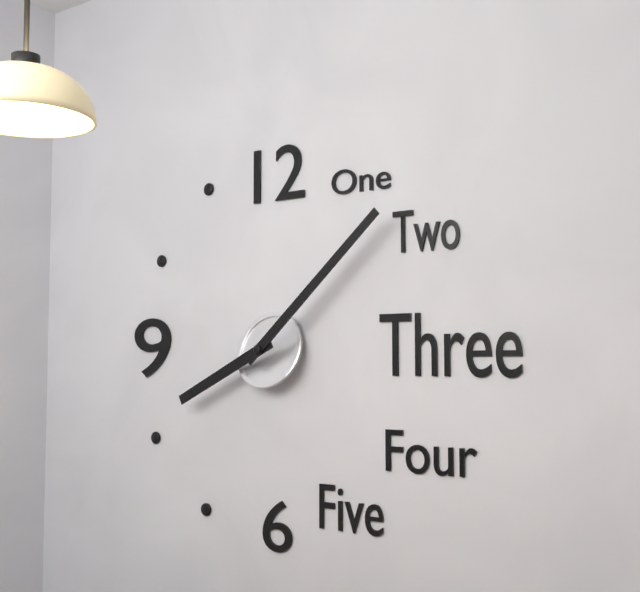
8:08
